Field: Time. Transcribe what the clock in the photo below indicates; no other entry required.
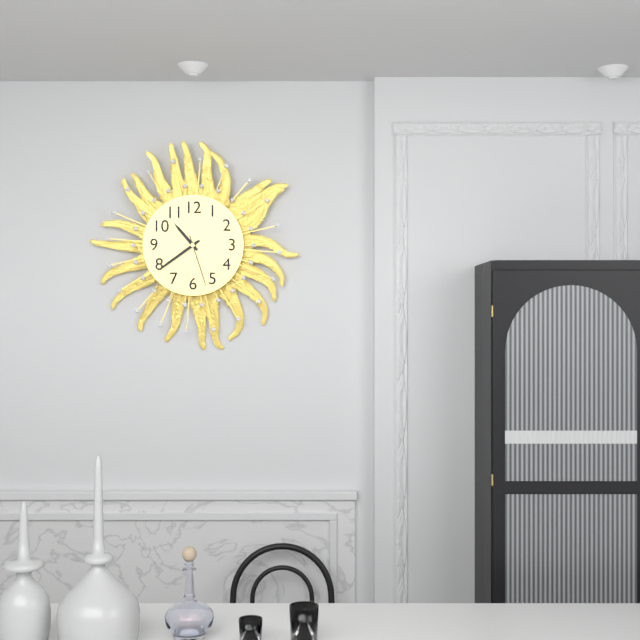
10:39:27
